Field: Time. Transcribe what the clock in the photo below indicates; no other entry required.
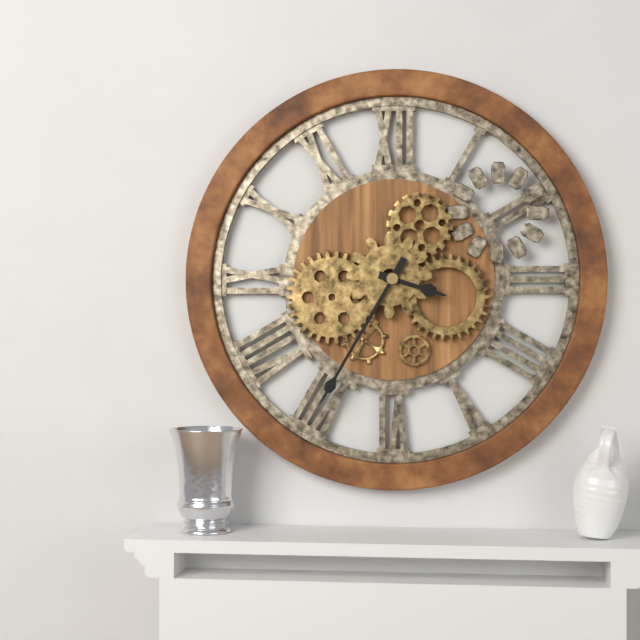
3:35
